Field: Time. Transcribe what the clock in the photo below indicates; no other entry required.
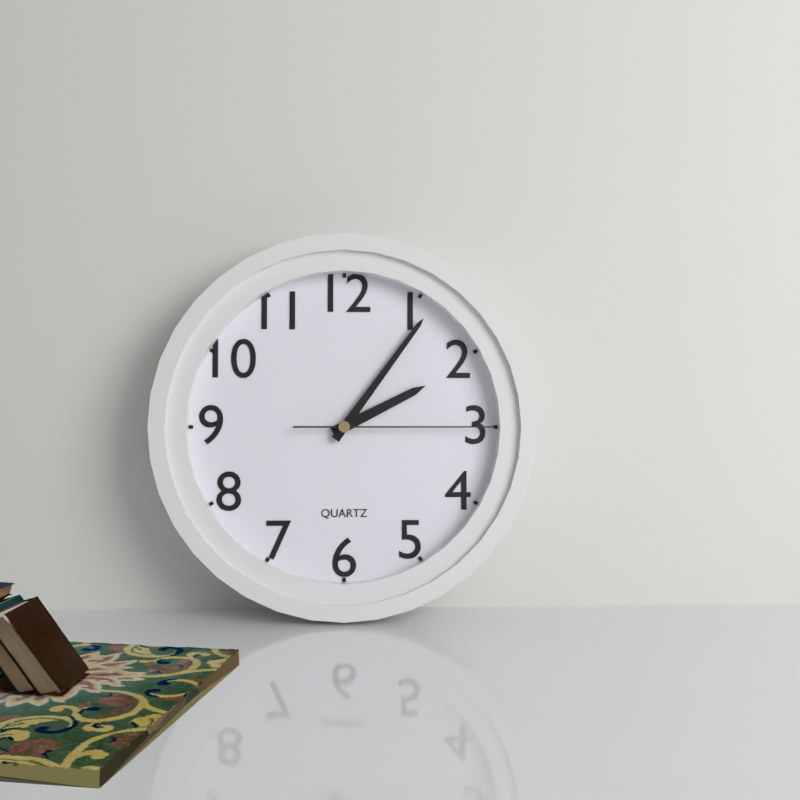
2:06:15
